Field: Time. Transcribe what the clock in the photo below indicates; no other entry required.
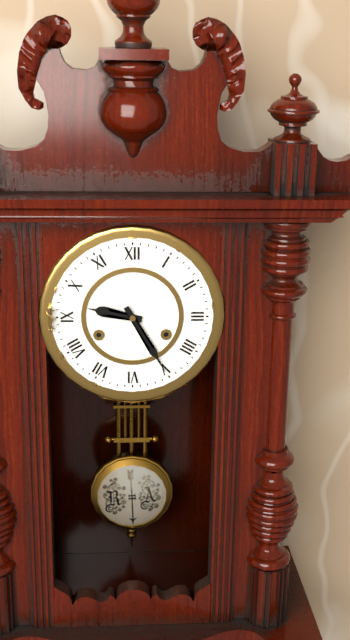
9:25
